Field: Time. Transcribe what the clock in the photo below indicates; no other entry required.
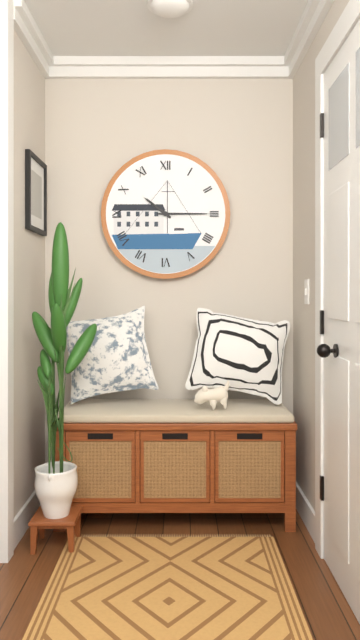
10:15
